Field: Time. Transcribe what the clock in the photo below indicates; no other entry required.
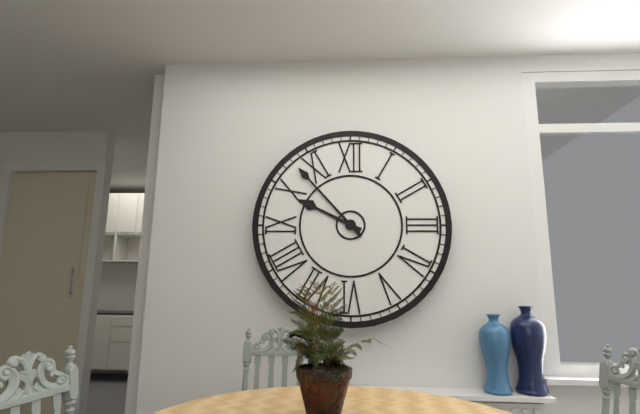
9:53
